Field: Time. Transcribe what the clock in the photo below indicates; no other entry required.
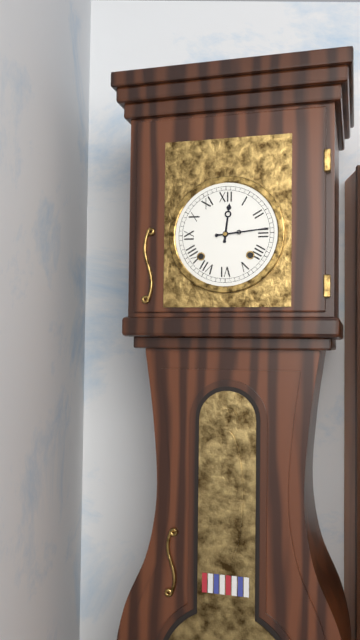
12:14
